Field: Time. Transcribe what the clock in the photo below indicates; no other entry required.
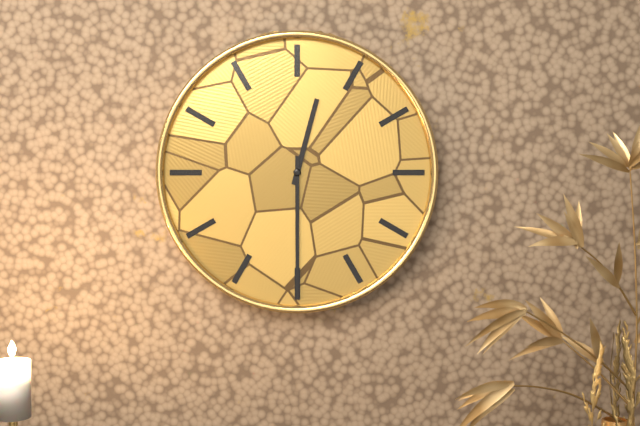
12:30
